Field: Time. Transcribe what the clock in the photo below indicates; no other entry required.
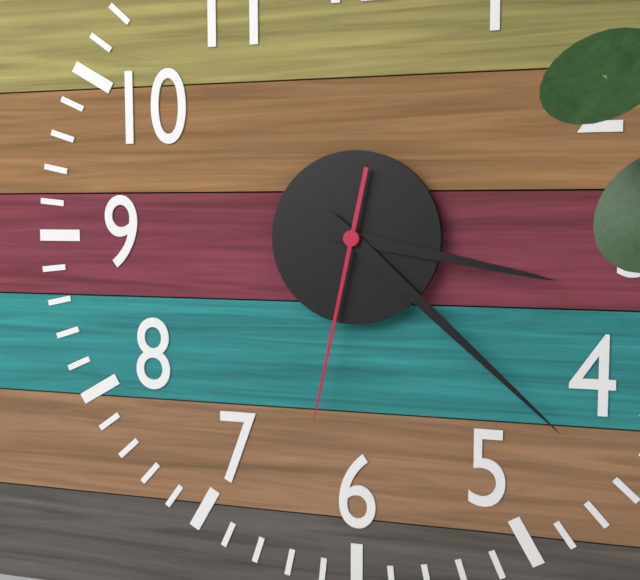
3:22:32
